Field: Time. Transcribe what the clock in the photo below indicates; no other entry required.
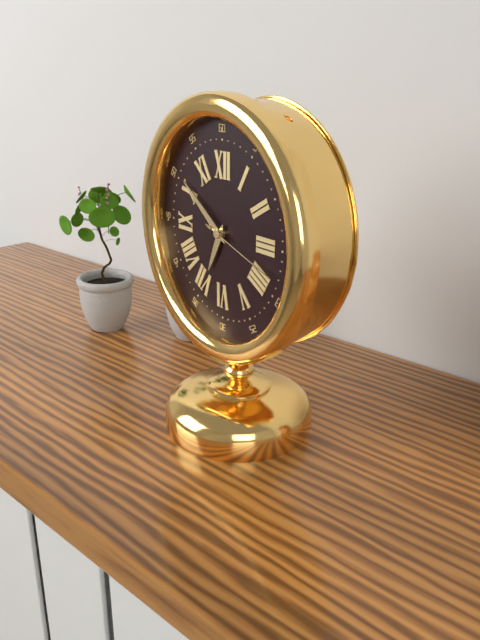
6:51:18
